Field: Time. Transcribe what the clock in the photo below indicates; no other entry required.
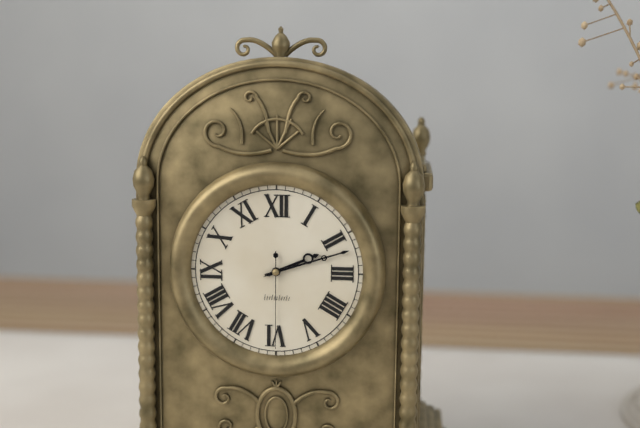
2:12:30
